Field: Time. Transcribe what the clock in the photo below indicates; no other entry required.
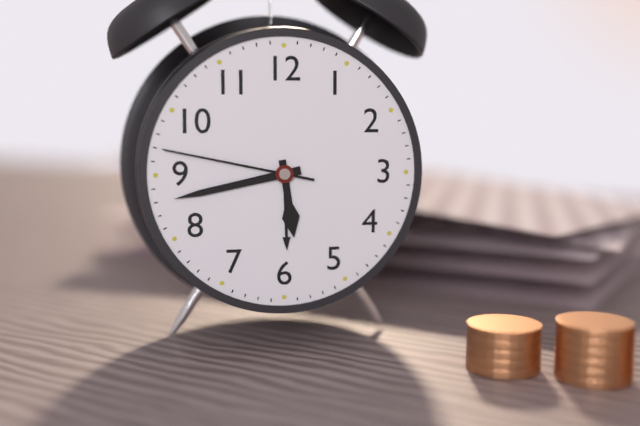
5:43:47
